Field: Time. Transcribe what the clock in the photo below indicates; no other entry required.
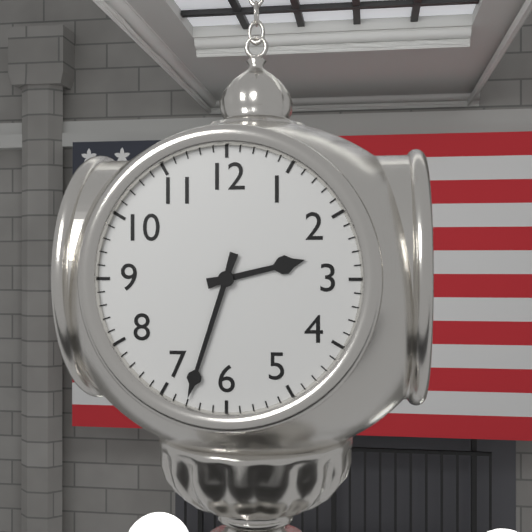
2:33
